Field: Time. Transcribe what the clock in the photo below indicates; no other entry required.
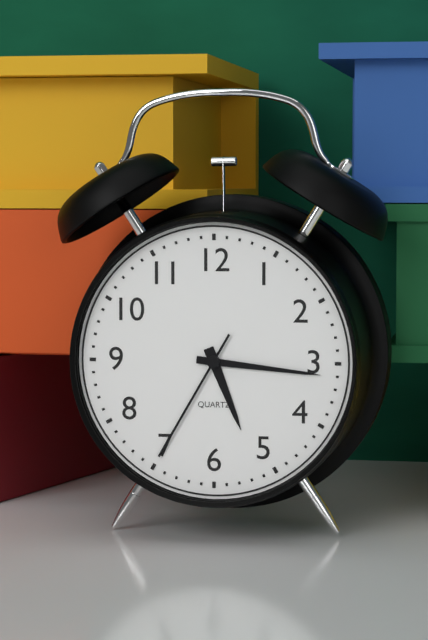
5:16:35
